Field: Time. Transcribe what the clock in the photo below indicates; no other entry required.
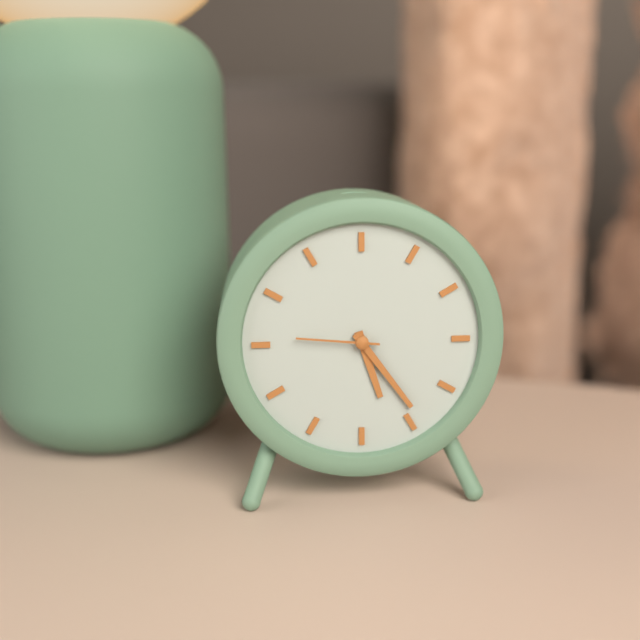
5:24:46
